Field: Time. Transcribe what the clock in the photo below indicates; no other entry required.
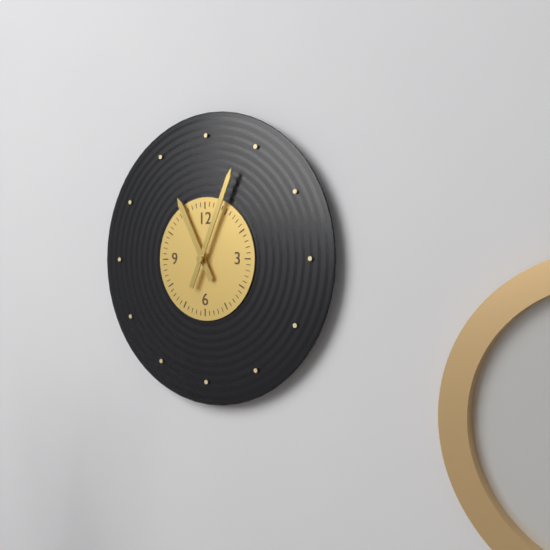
11:04
